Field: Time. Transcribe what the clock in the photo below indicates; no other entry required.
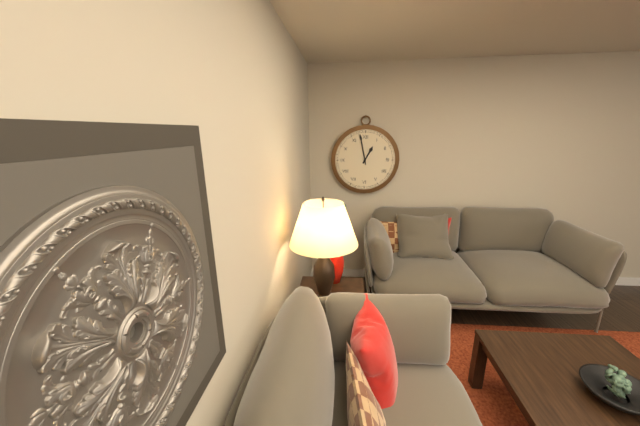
12:58
